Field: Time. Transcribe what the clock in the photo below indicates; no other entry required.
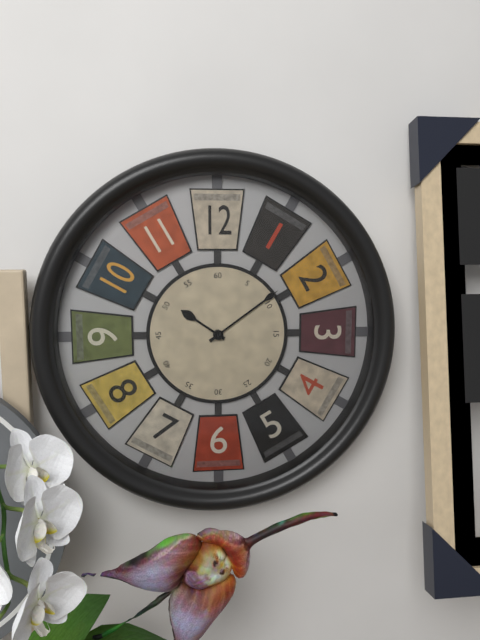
10:09
